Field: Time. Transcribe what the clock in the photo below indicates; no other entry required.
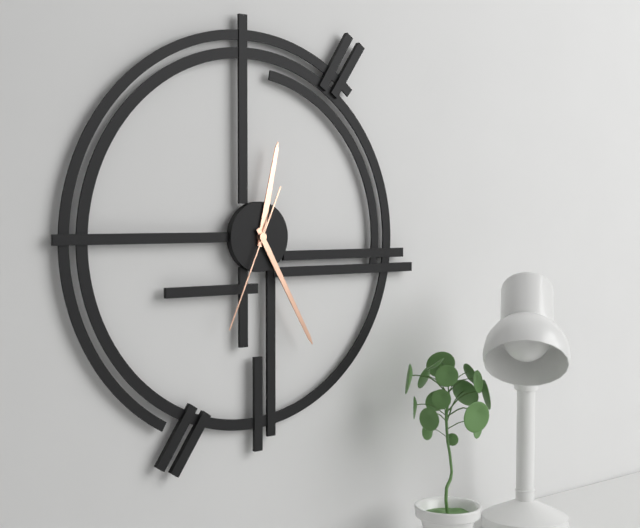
12:25:34
